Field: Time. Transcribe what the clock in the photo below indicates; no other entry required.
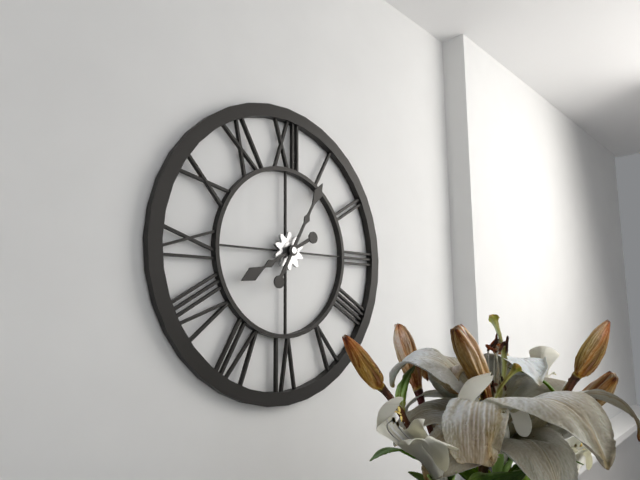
8:05
